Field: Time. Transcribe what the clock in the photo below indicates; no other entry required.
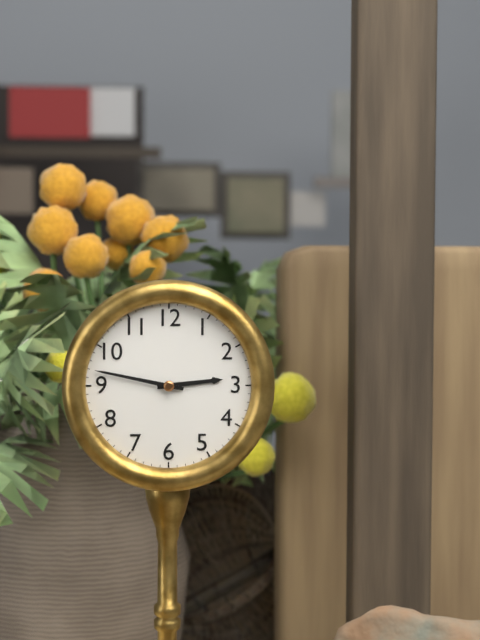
2:47
